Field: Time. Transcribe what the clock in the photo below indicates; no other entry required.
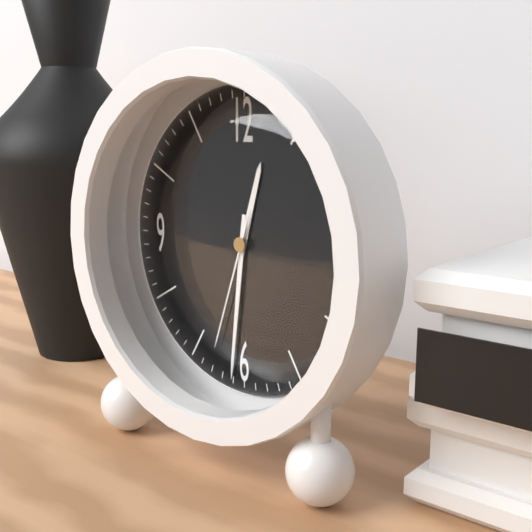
12:31:33
